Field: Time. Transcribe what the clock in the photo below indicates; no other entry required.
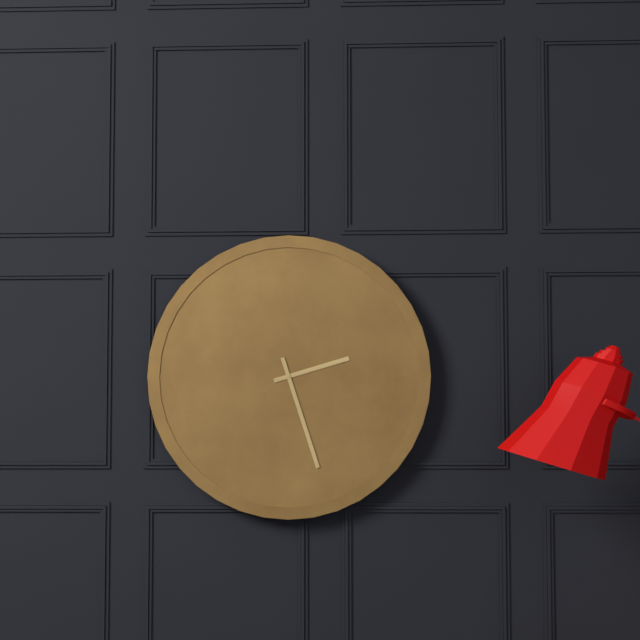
2:27
